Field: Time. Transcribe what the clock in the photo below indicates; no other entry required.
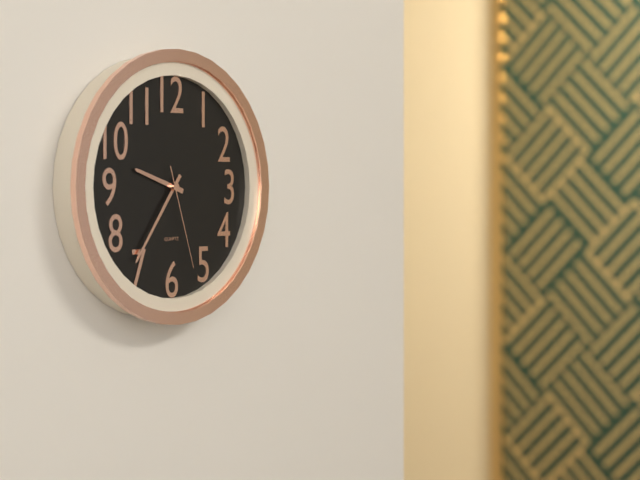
9:36:27
